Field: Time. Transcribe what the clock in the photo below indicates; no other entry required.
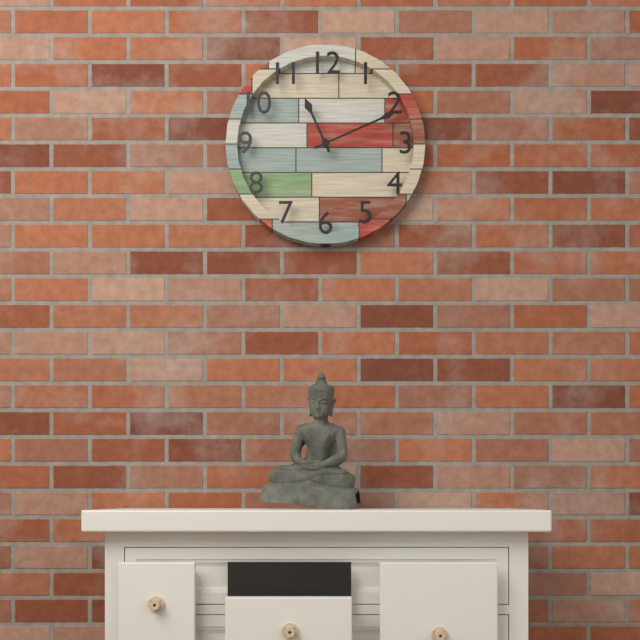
11:11
